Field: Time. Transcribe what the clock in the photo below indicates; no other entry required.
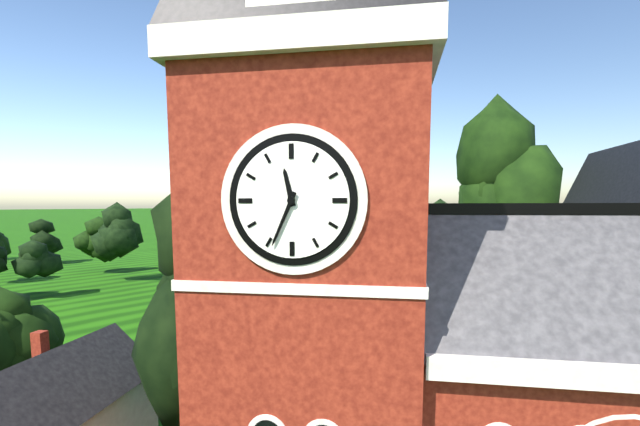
11:34
